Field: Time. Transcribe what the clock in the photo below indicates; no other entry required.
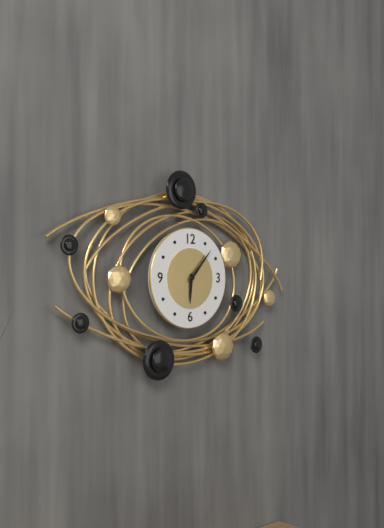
6:07
